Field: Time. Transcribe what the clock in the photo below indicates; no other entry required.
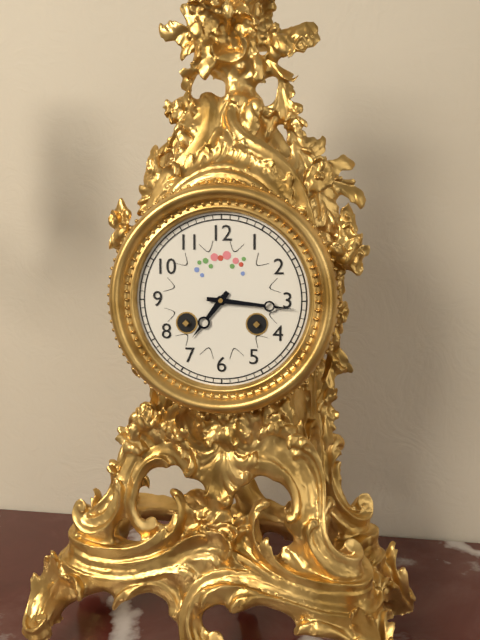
7:16
